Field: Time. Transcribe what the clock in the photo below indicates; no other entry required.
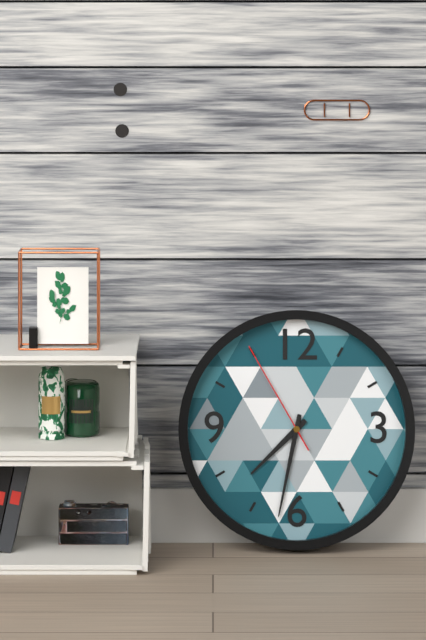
7:32:55
